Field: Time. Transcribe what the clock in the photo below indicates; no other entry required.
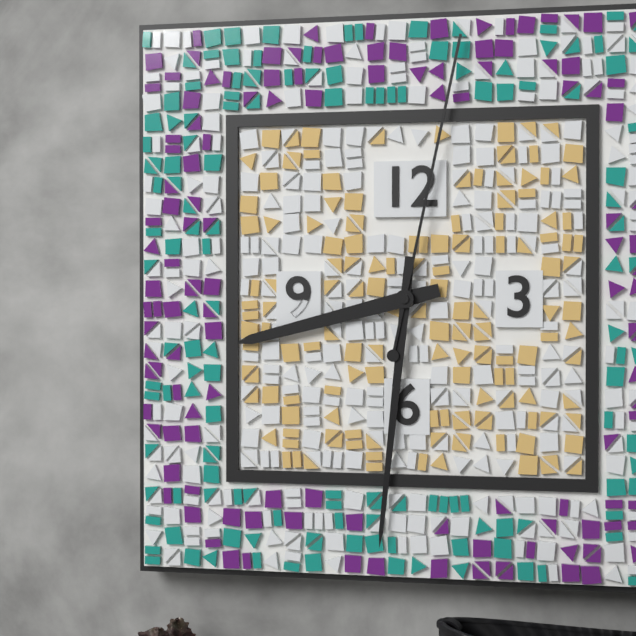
8:31:02
